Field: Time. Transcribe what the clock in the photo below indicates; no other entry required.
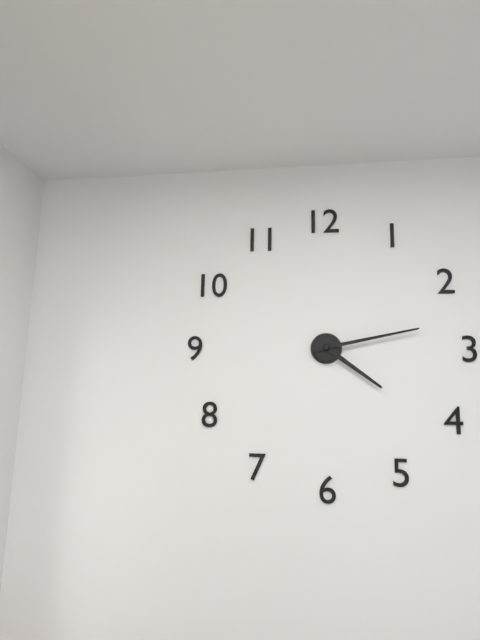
4:13
